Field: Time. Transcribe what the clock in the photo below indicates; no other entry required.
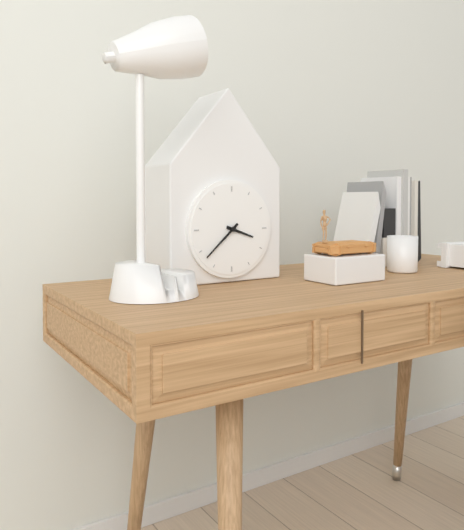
3:38
